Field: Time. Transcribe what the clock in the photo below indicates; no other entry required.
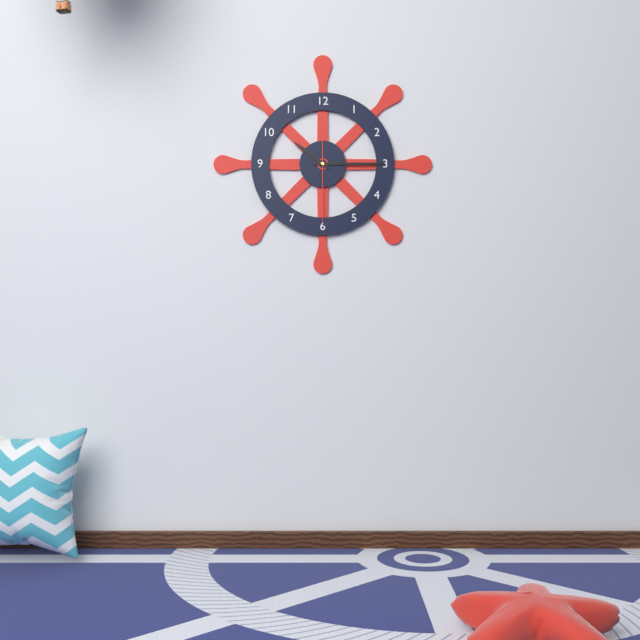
10:15:30
